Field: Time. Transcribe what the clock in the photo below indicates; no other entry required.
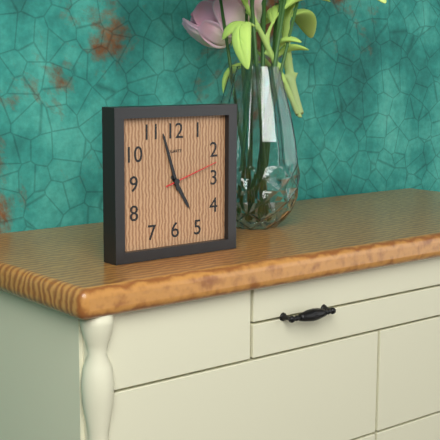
4:57:12
